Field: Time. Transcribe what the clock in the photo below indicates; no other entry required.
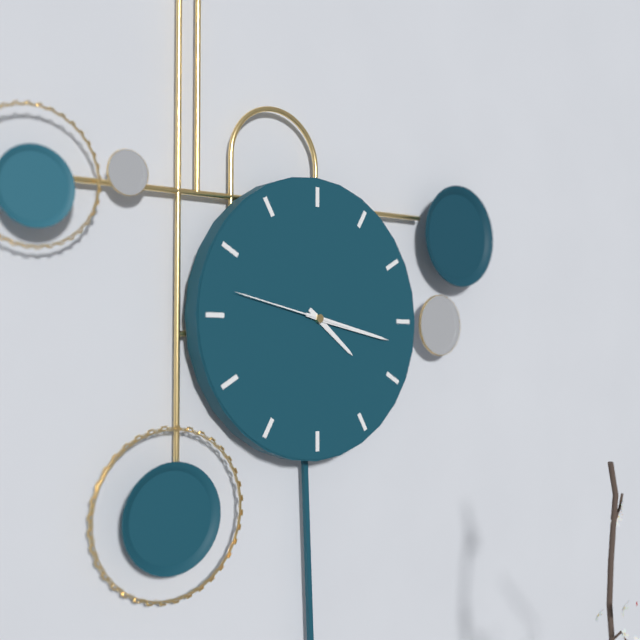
4:17:47
